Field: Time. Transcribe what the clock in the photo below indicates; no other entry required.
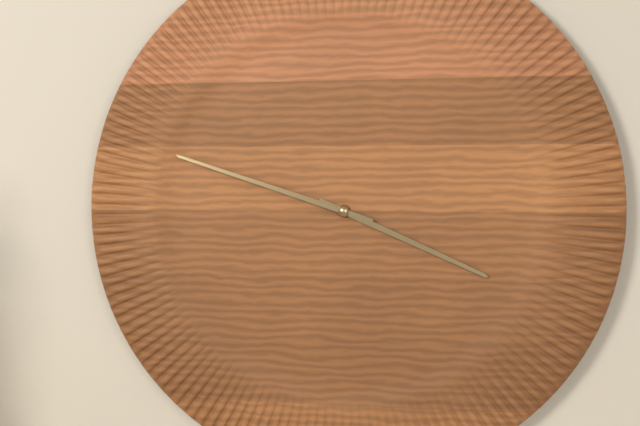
3:48
